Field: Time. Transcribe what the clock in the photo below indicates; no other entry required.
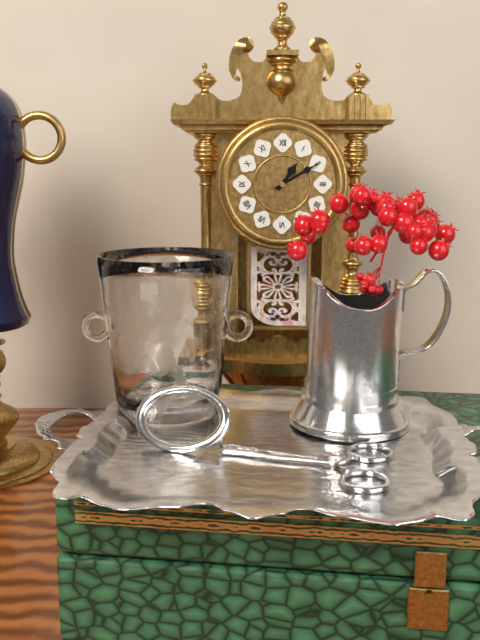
1:10
